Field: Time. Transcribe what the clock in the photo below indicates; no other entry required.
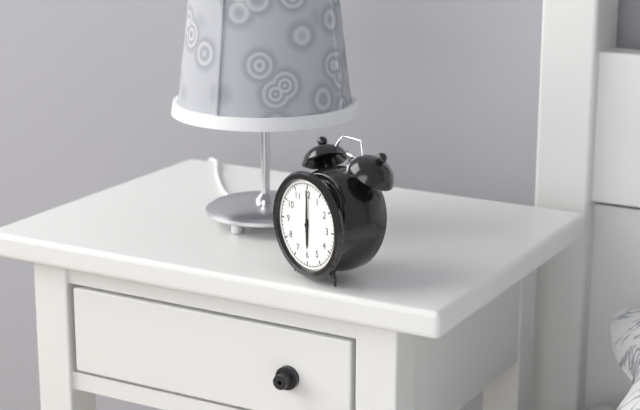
6:00
